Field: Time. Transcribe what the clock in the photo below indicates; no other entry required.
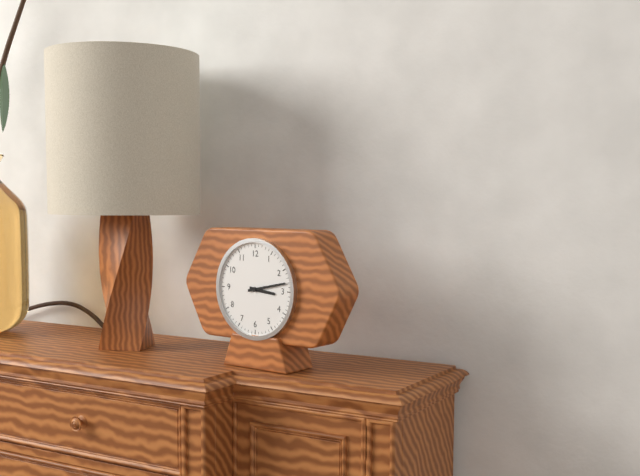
3:13
